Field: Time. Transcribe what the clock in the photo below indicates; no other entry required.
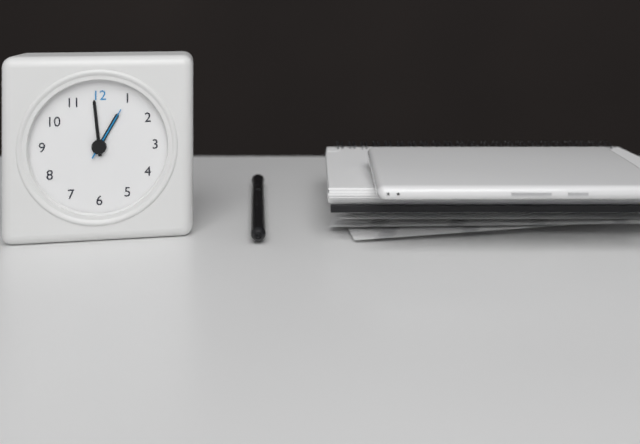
12:59:05
